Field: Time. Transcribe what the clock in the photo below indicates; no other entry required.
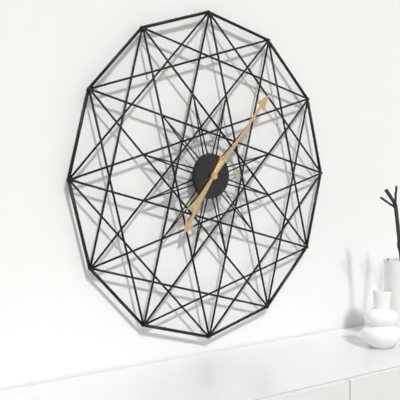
7:07
